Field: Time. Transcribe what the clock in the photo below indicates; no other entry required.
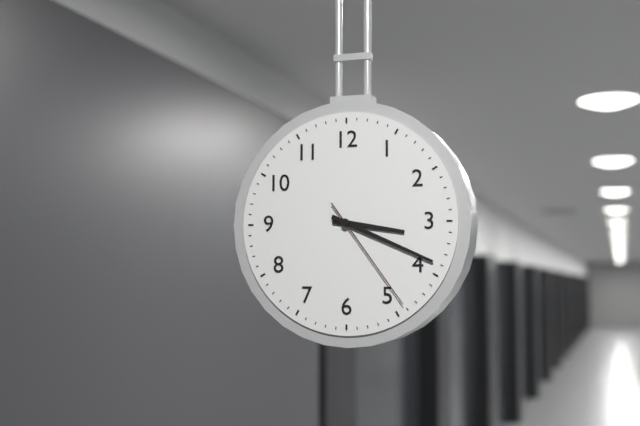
3:19:24
